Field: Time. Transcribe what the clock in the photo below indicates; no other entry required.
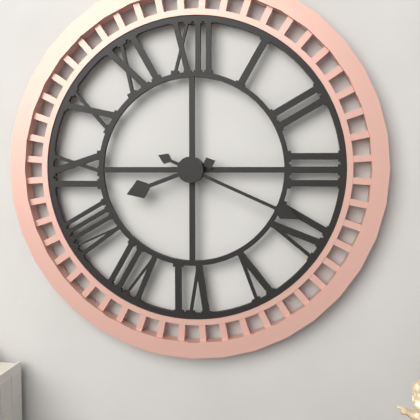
8:19
